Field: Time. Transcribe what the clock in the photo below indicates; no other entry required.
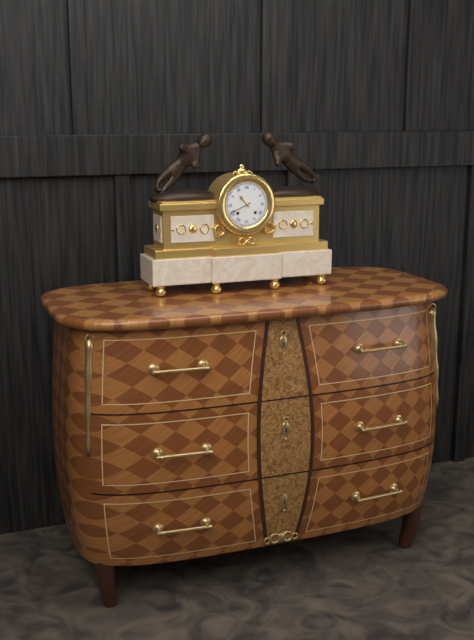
10:41
